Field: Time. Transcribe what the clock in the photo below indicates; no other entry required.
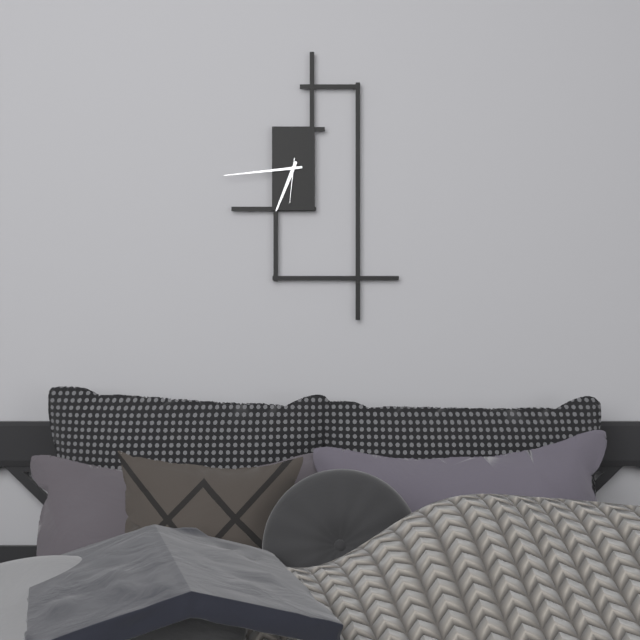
6:44
